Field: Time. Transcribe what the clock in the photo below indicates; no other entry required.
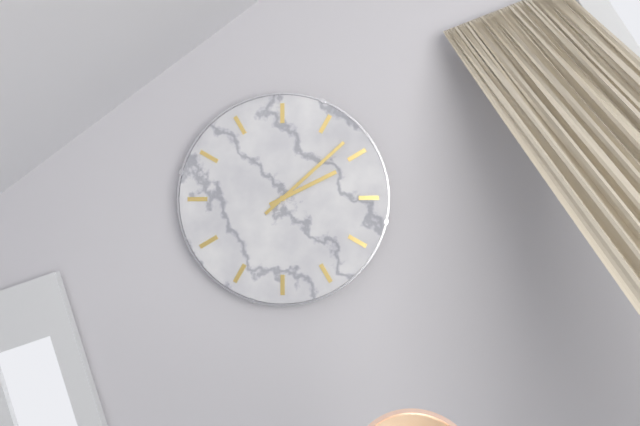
2:08
